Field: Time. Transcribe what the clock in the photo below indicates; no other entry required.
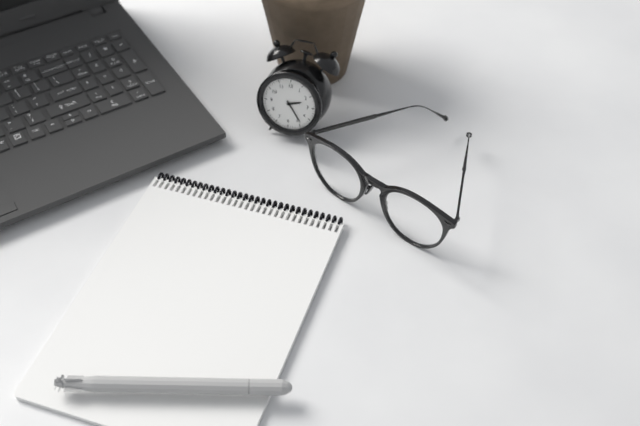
2:24
